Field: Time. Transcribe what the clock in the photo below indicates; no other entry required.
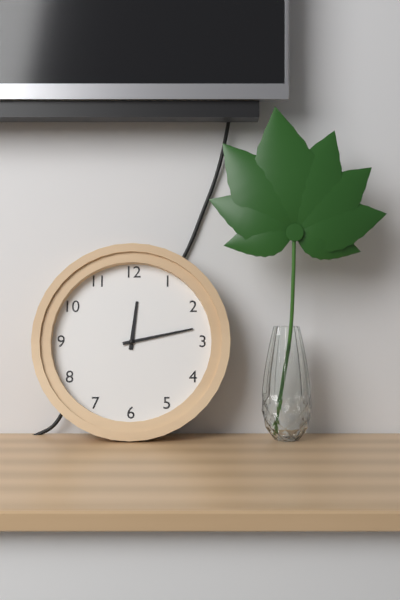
12:13
